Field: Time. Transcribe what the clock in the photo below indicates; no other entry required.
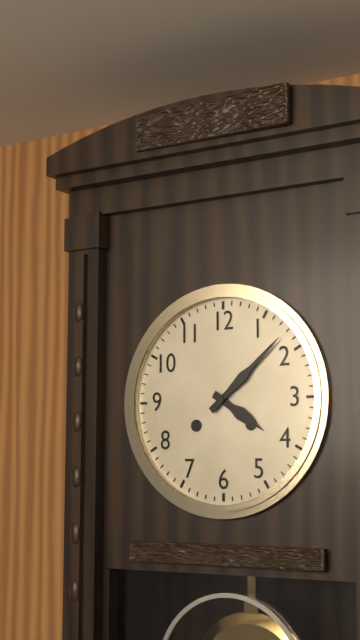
4:08
